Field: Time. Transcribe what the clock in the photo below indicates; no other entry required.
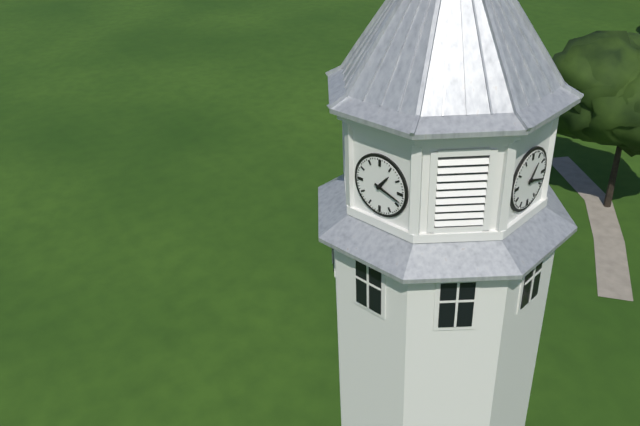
1:18
